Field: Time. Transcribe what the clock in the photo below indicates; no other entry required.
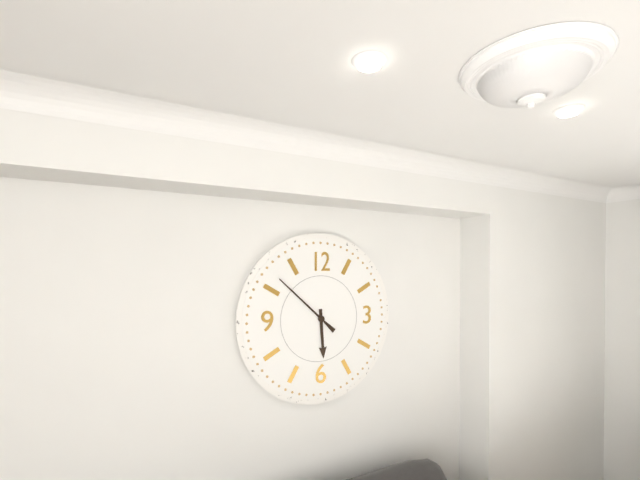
5:52
